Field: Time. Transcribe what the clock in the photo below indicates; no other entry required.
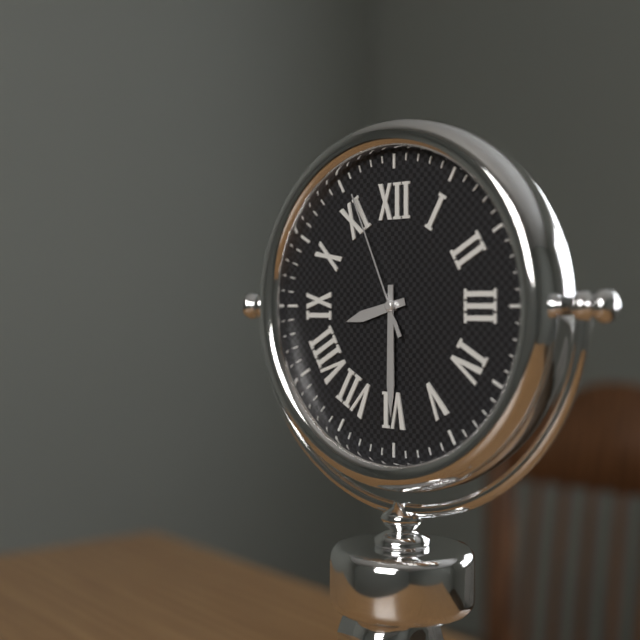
8:30:56
